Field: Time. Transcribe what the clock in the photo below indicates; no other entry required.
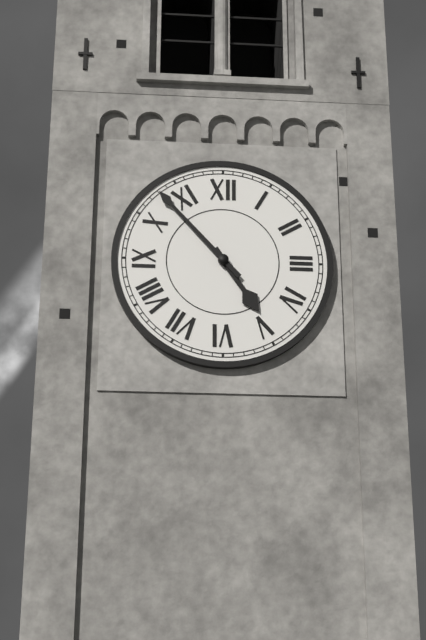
4:53
